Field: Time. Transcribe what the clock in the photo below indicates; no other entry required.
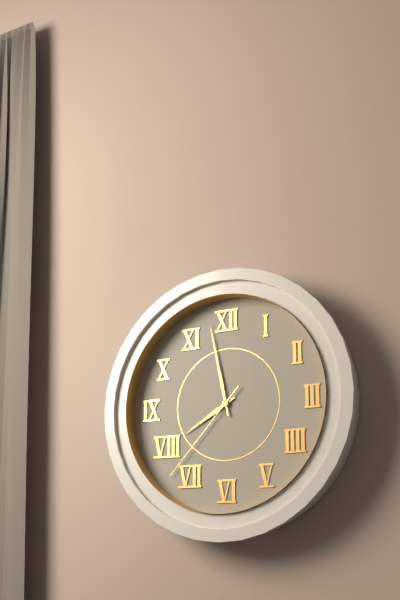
7:58:37
